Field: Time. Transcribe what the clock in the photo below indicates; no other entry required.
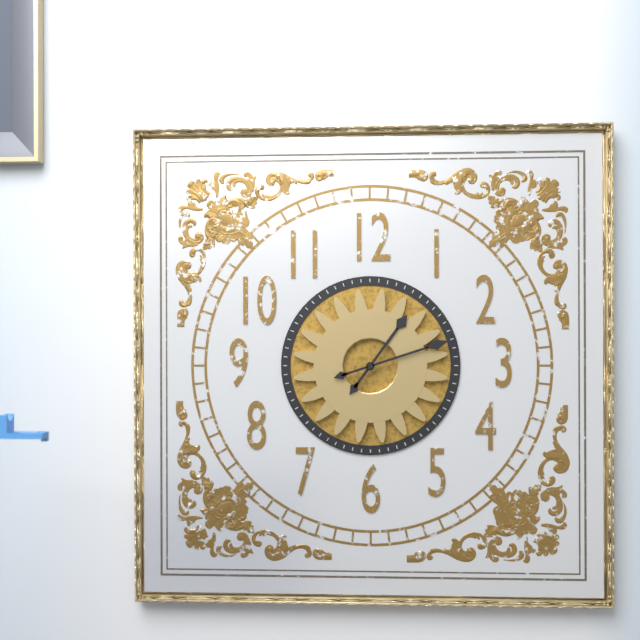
1:12
